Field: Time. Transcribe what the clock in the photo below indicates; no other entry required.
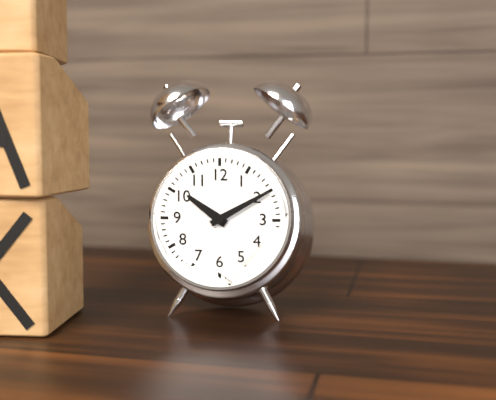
10:10
